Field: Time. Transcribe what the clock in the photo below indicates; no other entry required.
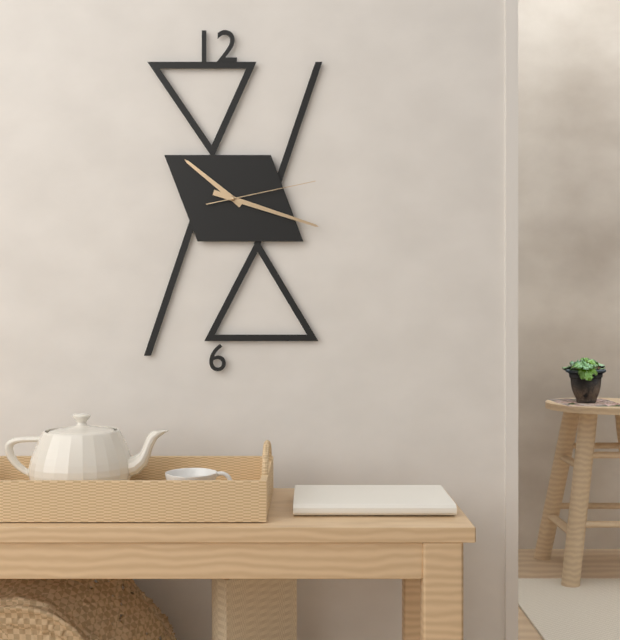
10:18:13
